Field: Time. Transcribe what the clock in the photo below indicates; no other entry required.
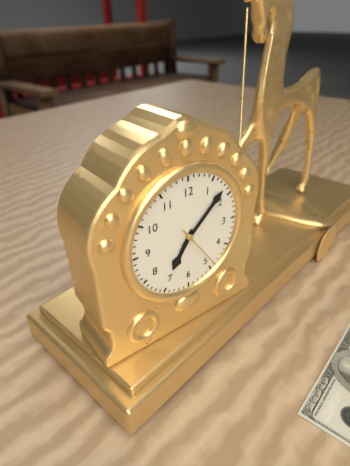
7:08
